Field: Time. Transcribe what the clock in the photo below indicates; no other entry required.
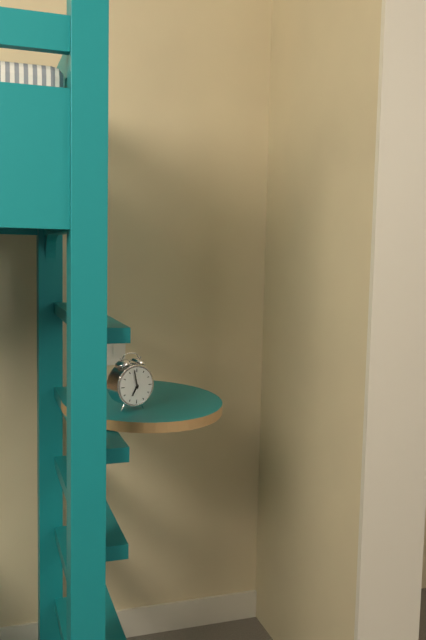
6:58
